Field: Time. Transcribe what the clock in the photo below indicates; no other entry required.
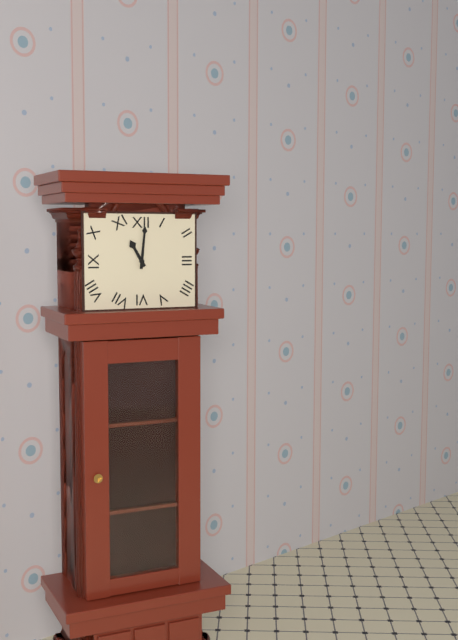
11:01
